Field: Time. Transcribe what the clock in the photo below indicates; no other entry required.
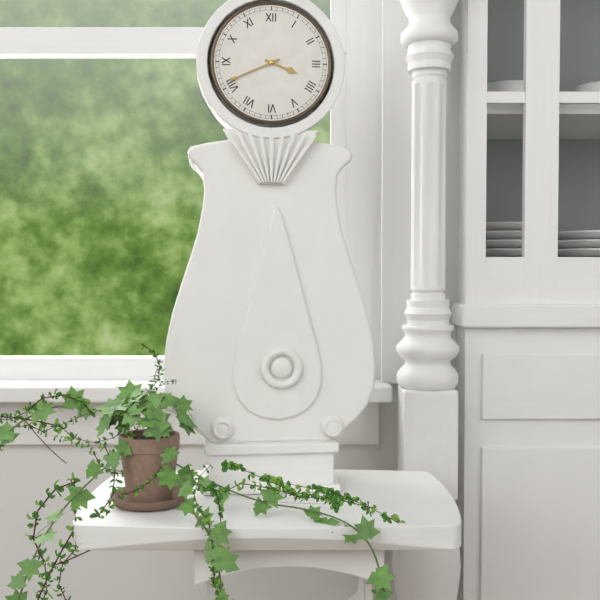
3:41
